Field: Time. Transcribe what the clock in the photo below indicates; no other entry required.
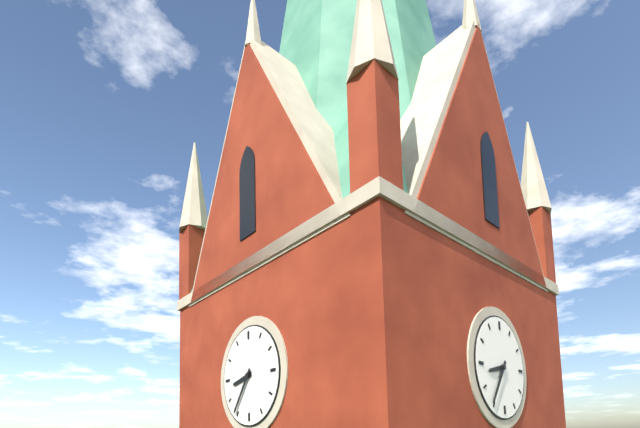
8:36
